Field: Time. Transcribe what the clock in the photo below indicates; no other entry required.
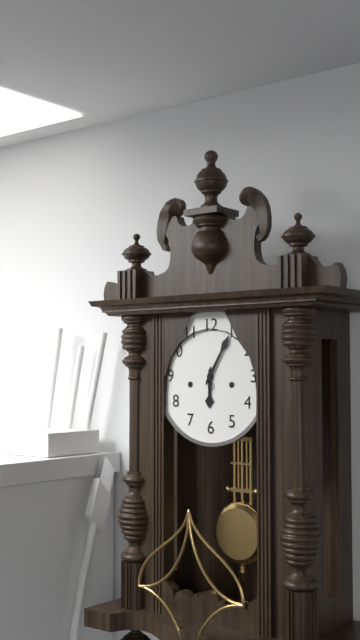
6:05
